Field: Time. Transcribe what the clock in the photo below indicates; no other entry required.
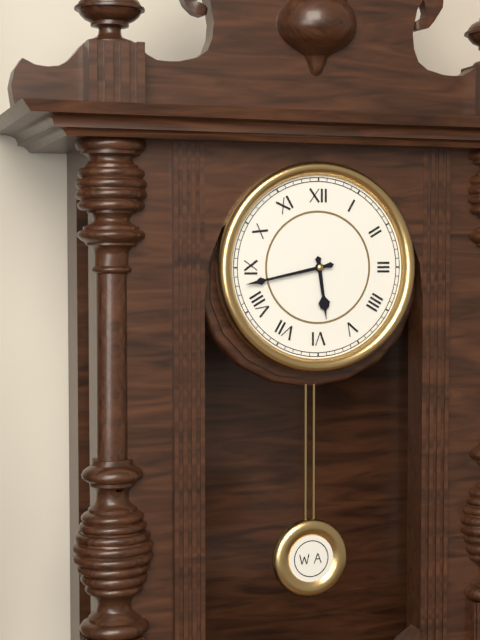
5:43
